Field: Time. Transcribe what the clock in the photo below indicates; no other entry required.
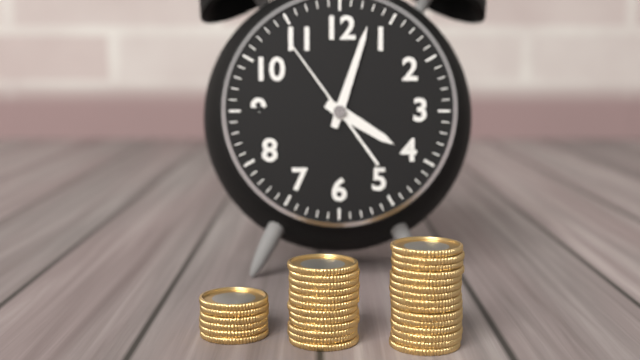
4:03:54
